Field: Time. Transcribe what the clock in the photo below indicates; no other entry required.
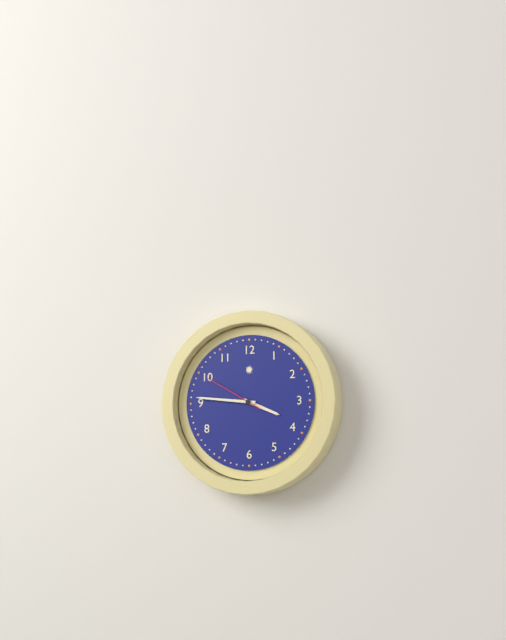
3:46:50
